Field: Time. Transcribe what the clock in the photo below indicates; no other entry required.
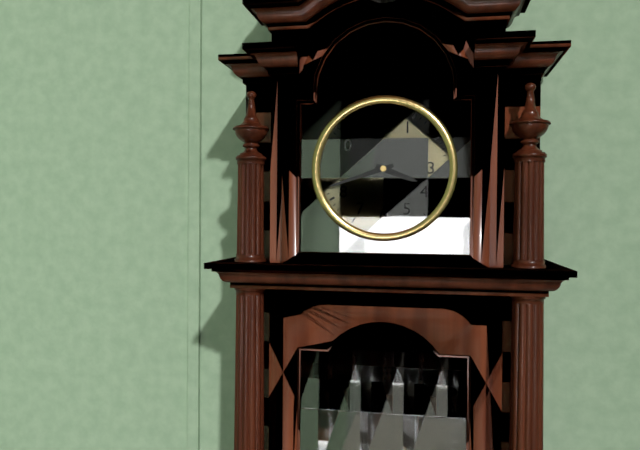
3:42
